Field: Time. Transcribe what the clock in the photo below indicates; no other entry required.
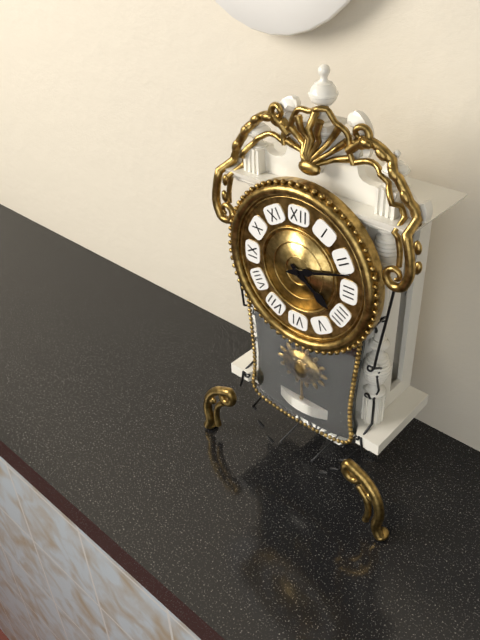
4:12
